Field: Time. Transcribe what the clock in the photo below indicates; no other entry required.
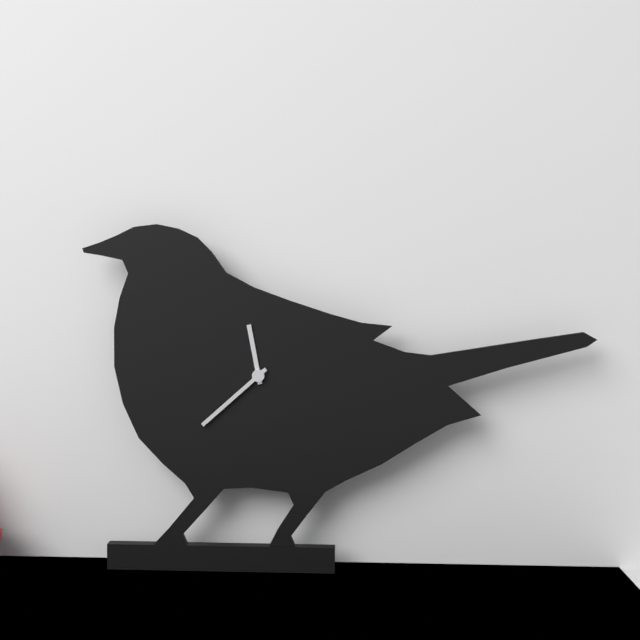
11:38
